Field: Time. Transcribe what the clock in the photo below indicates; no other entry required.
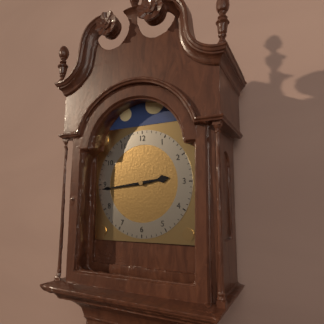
2:44
